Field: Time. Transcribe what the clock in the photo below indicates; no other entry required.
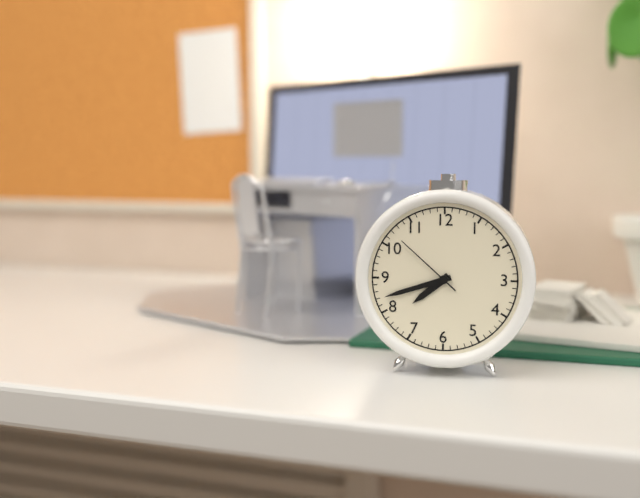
7:42:52
